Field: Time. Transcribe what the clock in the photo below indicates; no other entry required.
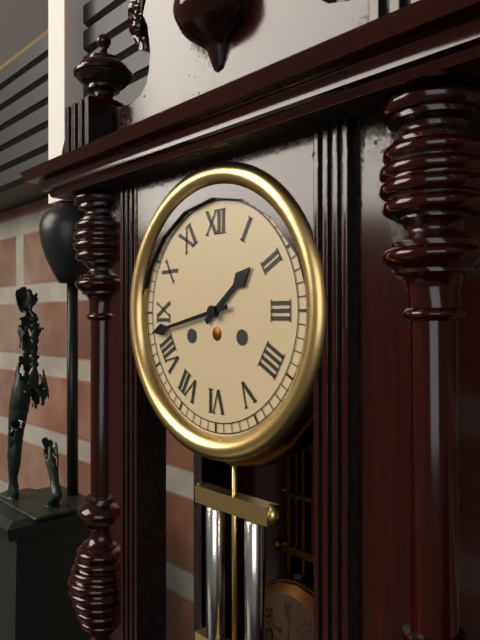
1:43
